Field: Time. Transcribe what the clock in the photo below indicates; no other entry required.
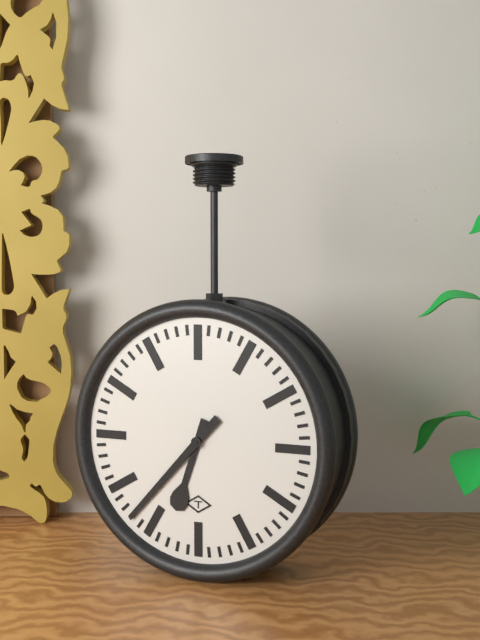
6:37
